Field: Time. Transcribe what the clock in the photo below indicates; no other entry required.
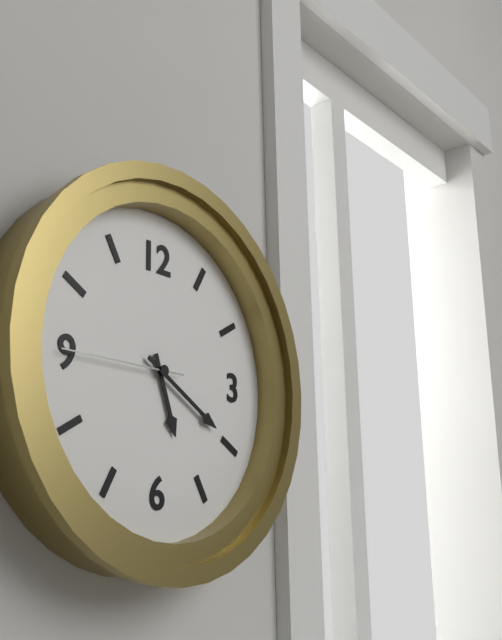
5:20:45
